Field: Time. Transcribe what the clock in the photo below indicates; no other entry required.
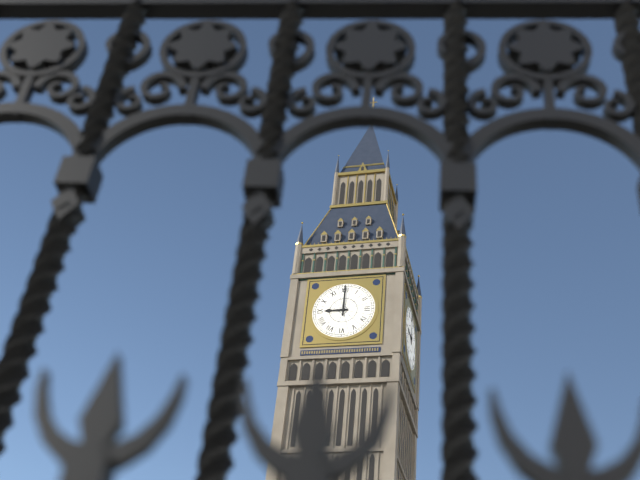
9:00
